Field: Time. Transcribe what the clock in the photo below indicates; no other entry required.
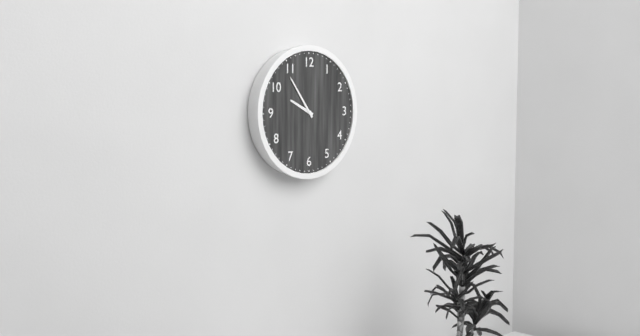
9:54
